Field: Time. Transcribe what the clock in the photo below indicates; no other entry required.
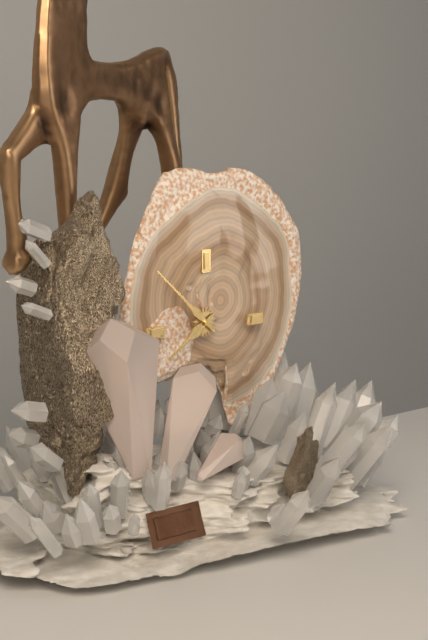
7:52
